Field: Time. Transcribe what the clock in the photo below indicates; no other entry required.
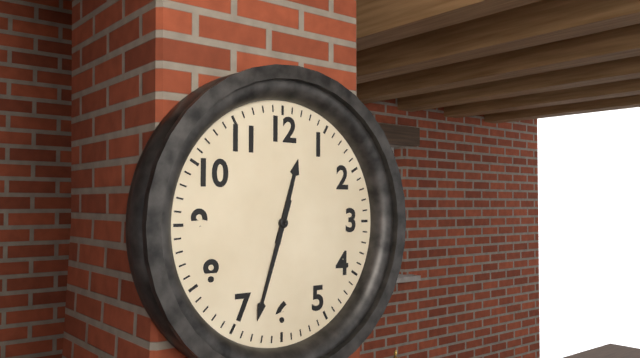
12:33
